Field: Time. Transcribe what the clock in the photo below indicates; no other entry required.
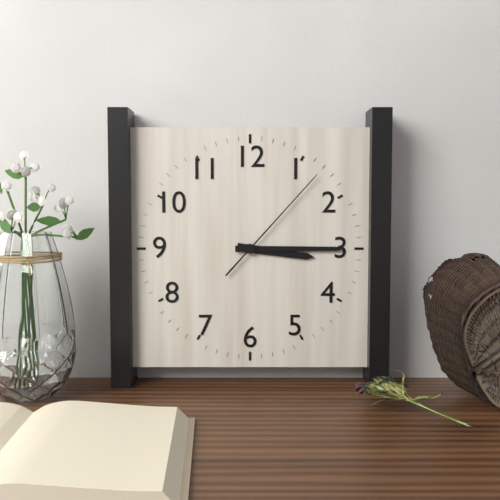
3:15:07
